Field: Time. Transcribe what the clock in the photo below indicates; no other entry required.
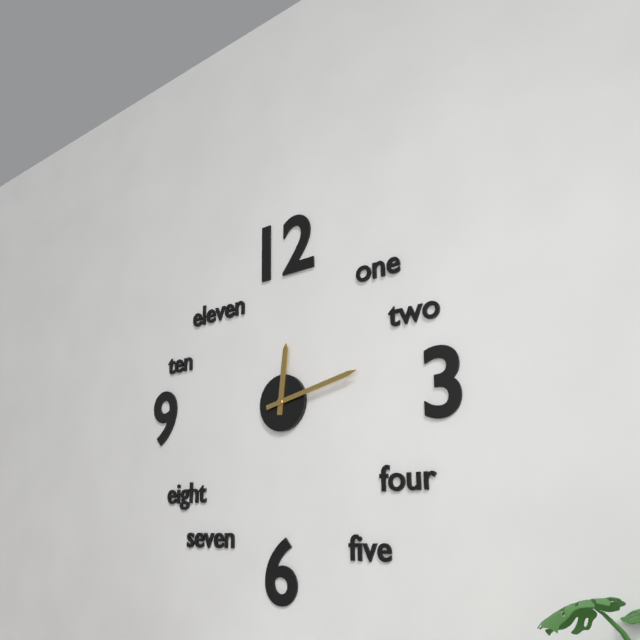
12:13
